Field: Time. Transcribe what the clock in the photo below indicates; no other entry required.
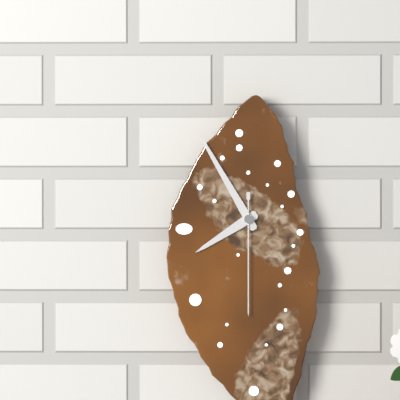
7:55:30
